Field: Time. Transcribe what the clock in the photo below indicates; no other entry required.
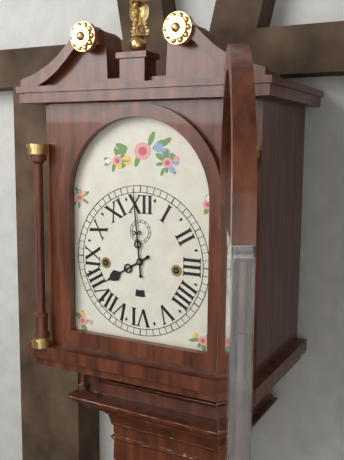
7:59
